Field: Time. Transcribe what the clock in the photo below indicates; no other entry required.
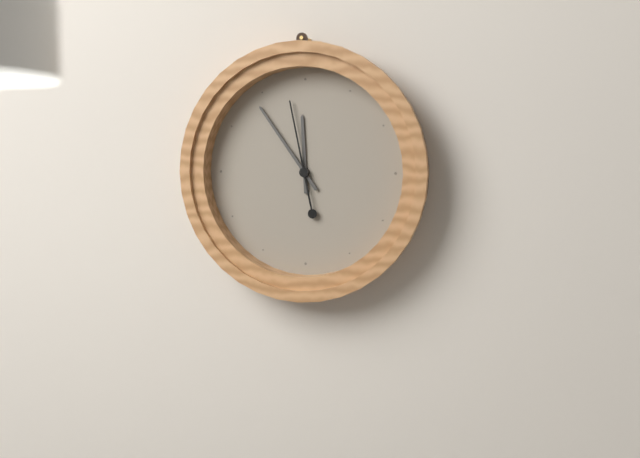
11:54:58
